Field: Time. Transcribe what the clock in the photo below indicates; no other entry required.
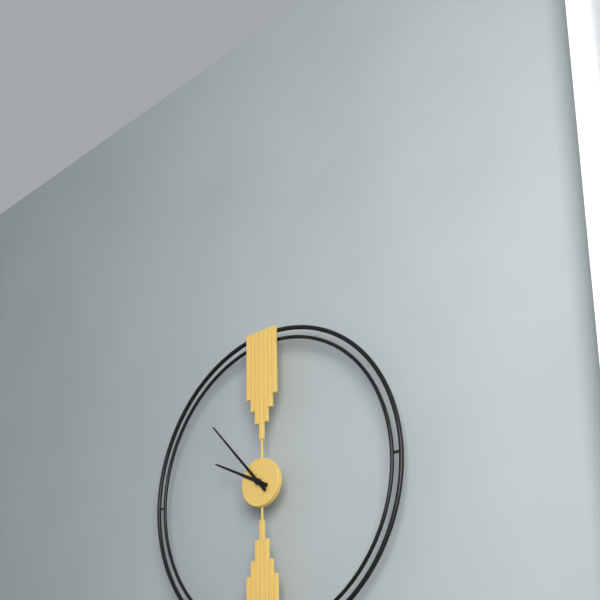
9:53
